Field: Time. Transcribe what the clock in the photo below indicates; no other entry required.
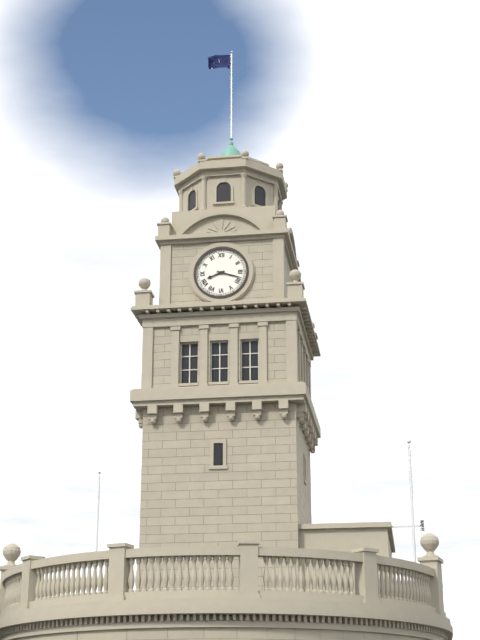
8:18
